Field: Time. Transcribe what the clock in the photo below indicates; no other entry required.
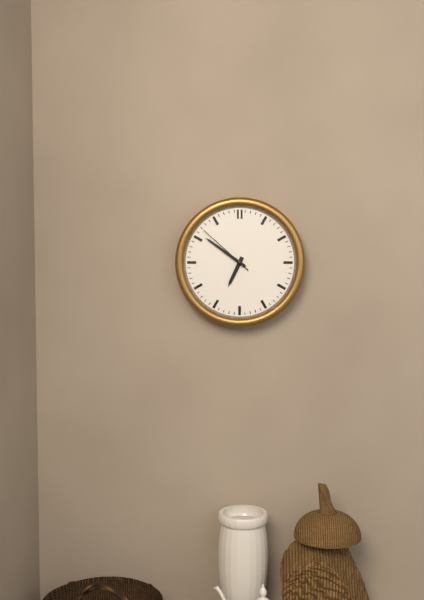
6:51:52
